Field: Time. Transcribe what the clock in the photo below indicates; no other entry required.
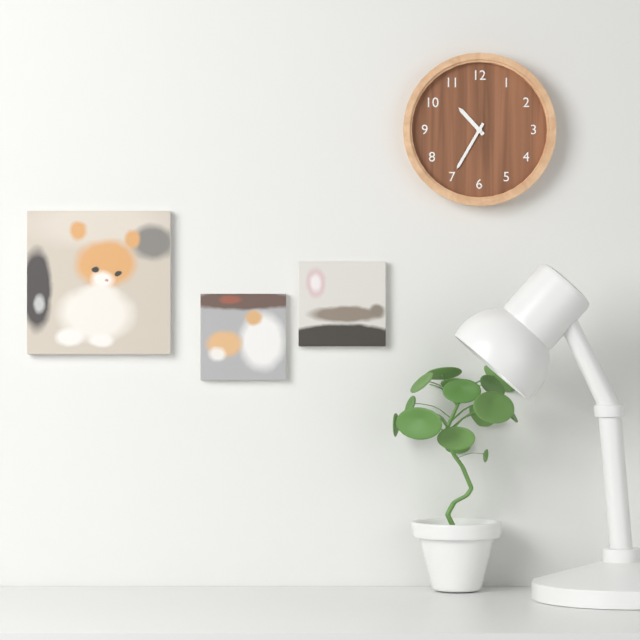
10:35
